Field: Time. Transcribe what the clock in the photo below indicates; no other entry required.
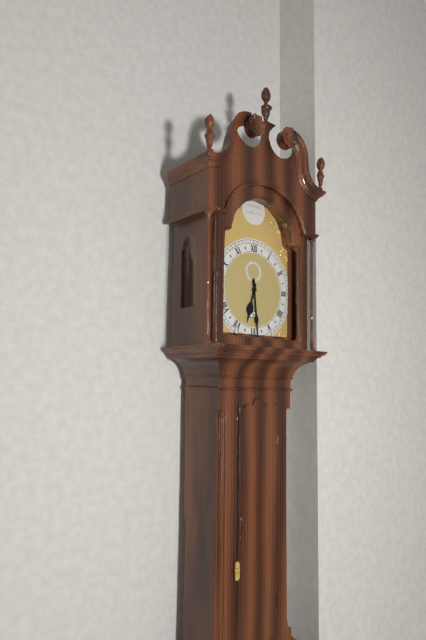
6:29
